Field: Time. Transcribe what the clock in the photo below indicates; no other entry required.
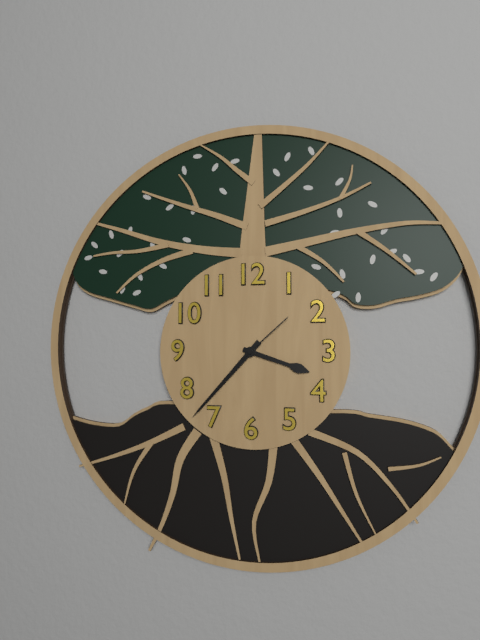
3:37:08
